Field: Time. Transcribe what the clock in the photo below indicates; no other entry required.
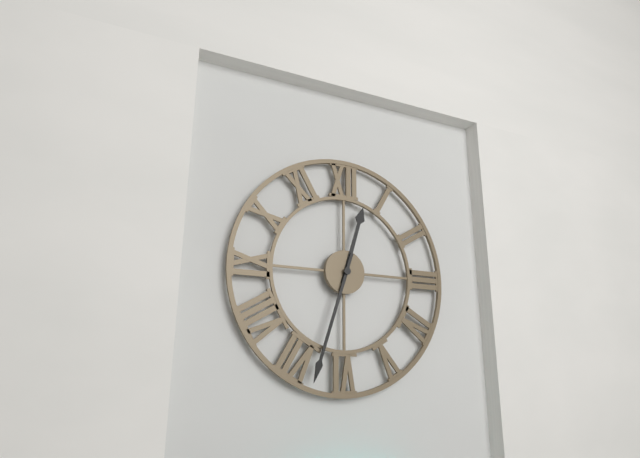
12:33
